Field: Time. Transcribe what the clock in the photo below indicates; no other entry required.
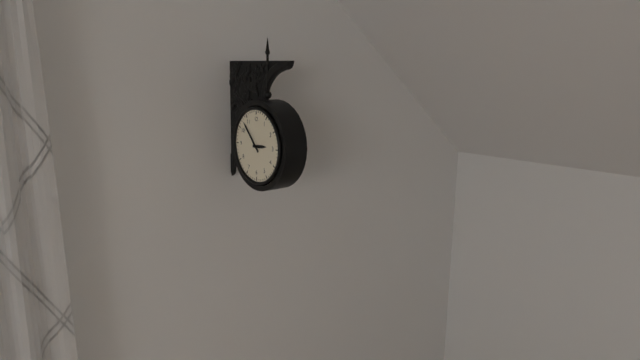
2:53
